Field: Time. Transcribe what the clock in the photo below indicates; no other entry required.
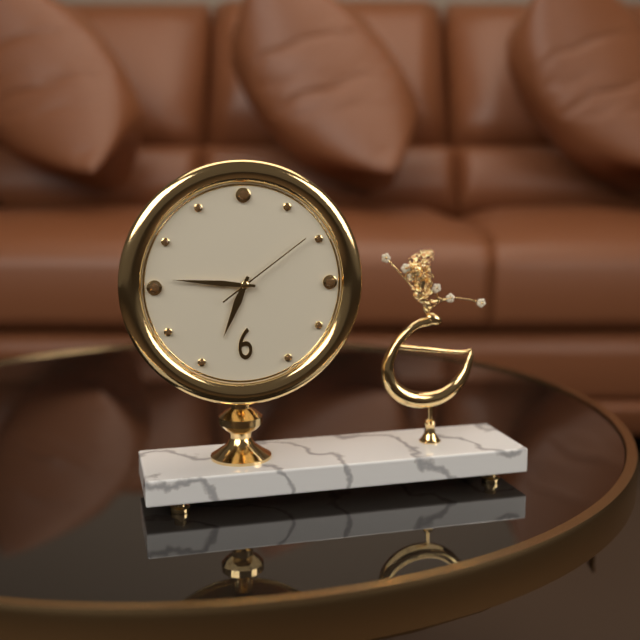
6:46:09
